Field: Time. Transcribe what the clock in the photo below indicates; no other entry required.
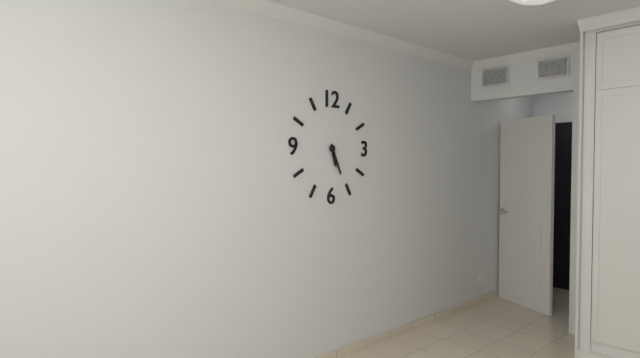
5:26
